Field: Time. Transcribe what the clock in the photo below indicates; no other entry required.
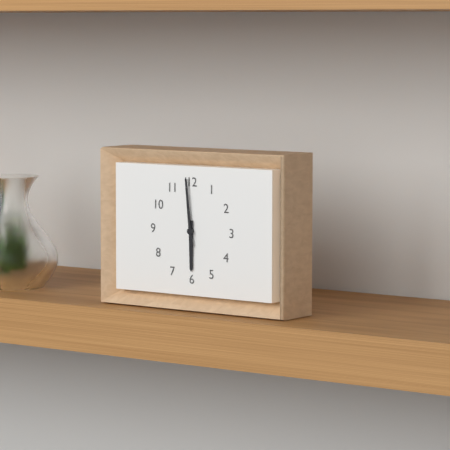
5:59
